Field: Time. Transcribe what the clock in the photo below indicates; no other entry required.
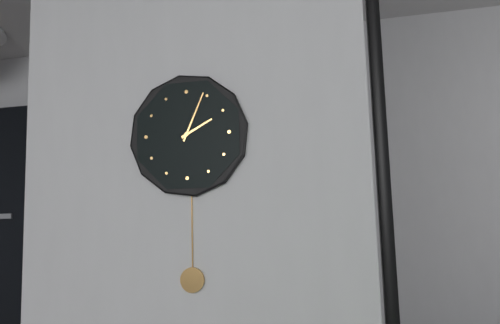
2:04
